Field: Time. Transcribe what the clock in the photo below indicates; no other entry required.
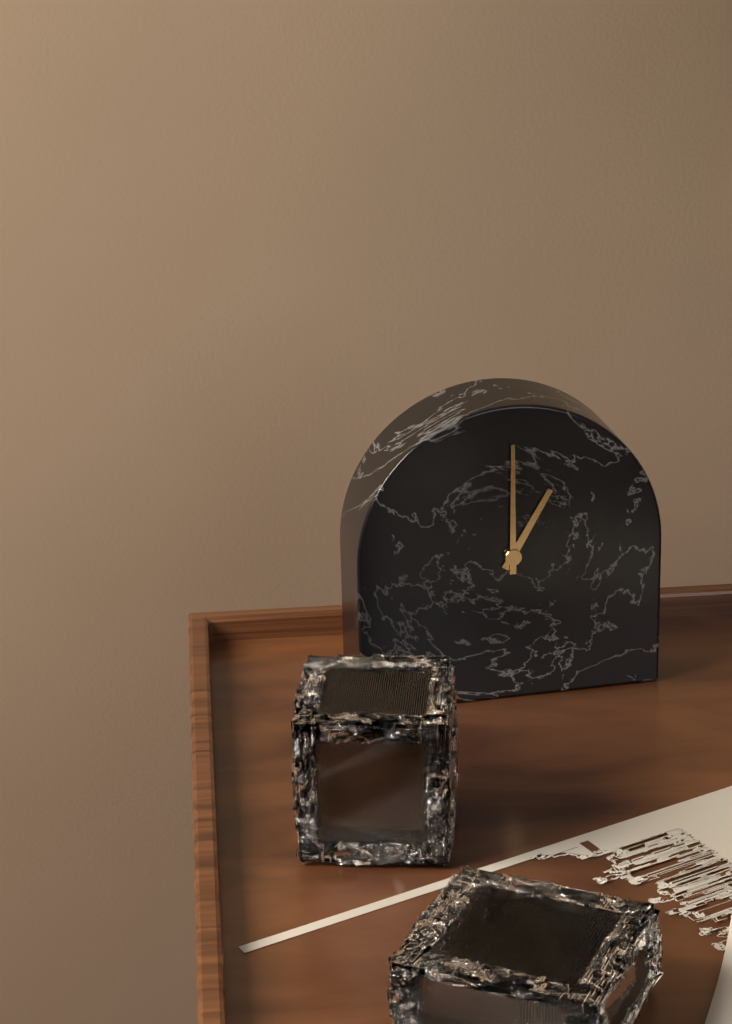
1:00
